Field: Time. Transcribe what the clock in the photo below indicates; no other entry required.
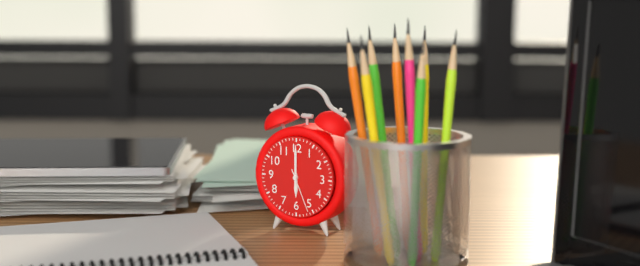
6:00
